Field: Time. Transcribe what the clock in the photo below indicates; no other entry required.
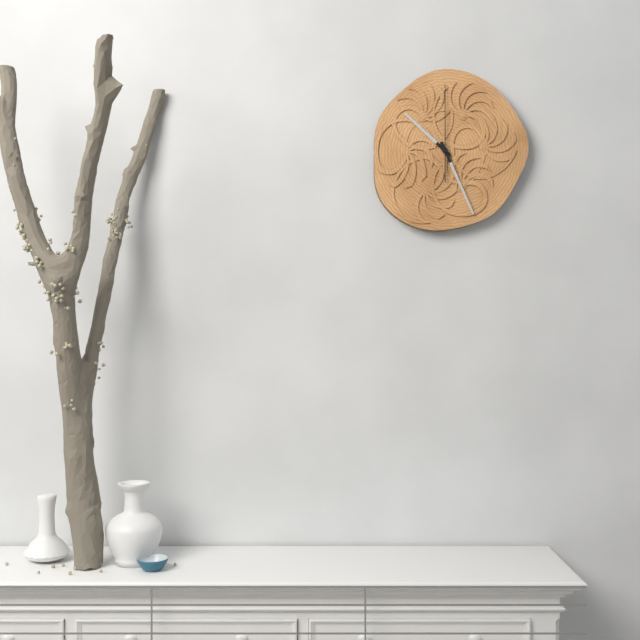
10:26:00
